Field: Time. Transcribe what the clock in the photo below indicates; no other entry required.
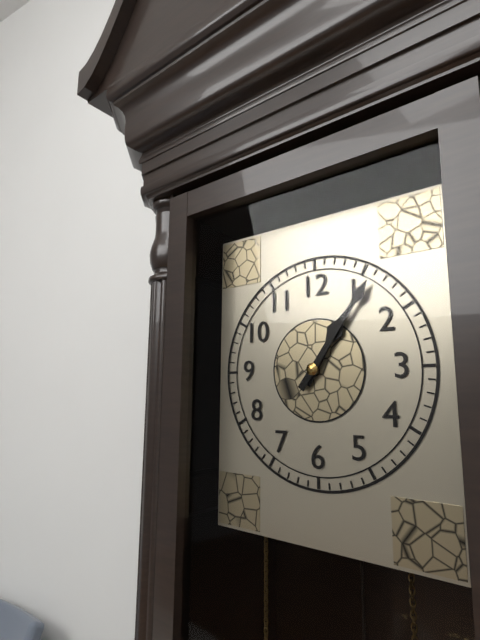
1:06
